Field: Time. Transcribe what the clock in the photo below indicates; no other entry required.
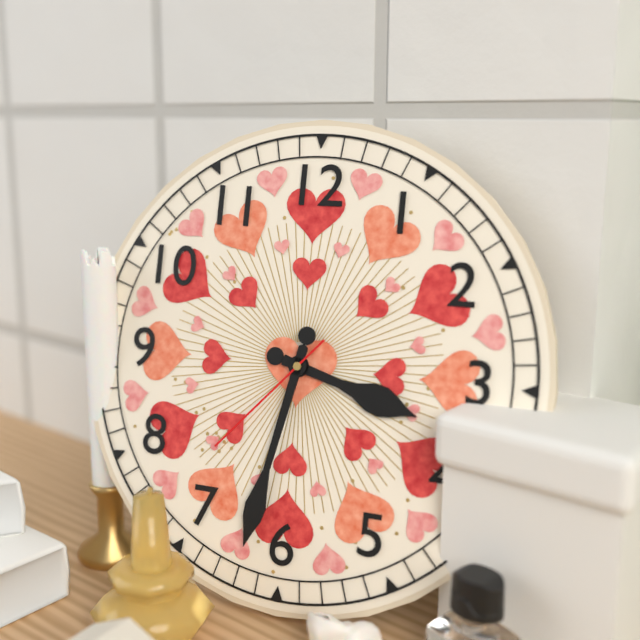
3:32:37
